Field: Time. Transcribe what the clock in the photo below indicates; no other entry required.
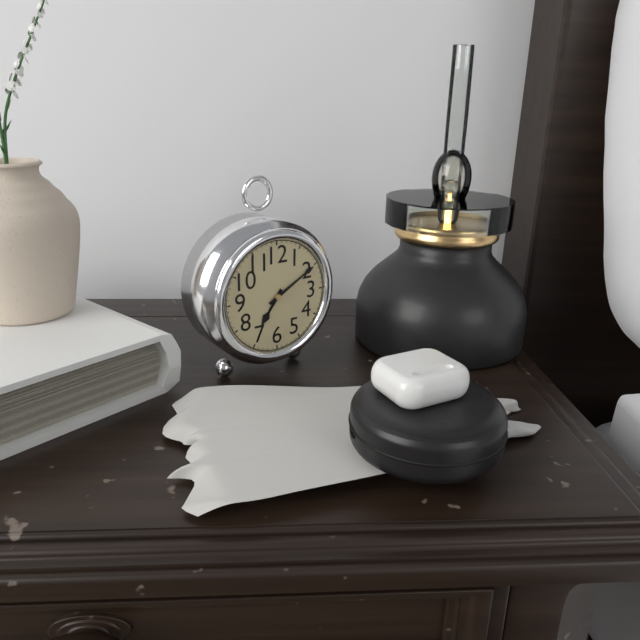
7:10
